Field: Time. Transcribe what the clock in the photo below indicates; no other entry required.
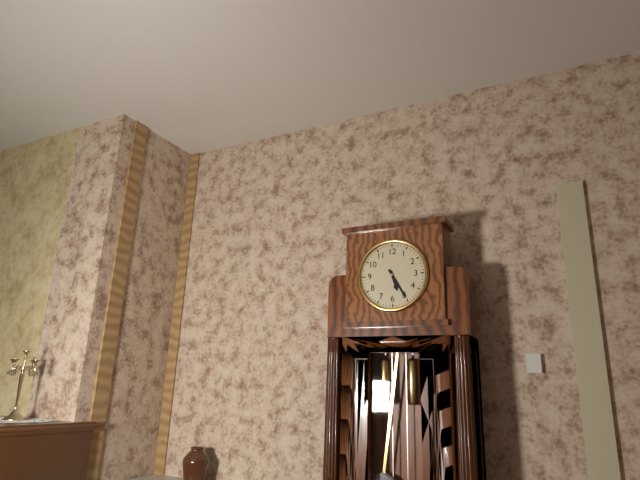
5:25
